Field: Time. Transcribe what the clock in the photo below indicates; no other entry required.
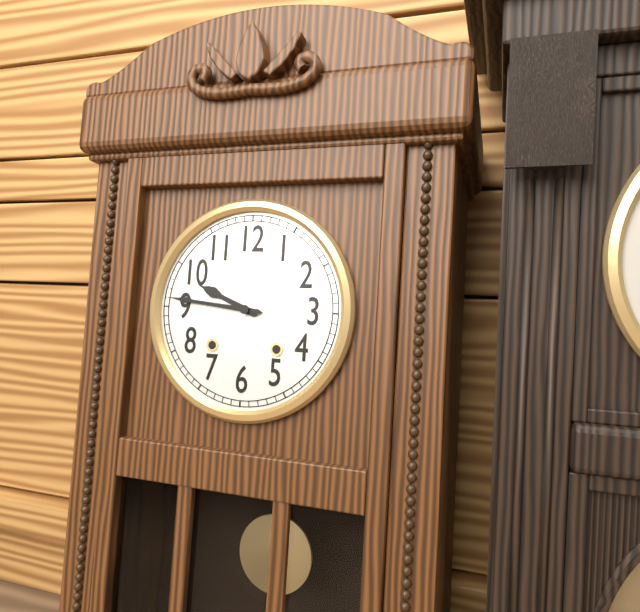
9:46
